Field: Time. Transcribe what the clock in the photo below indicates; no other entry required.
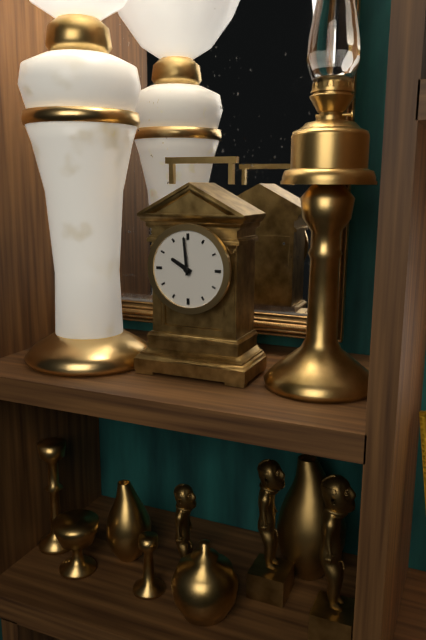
9:59
